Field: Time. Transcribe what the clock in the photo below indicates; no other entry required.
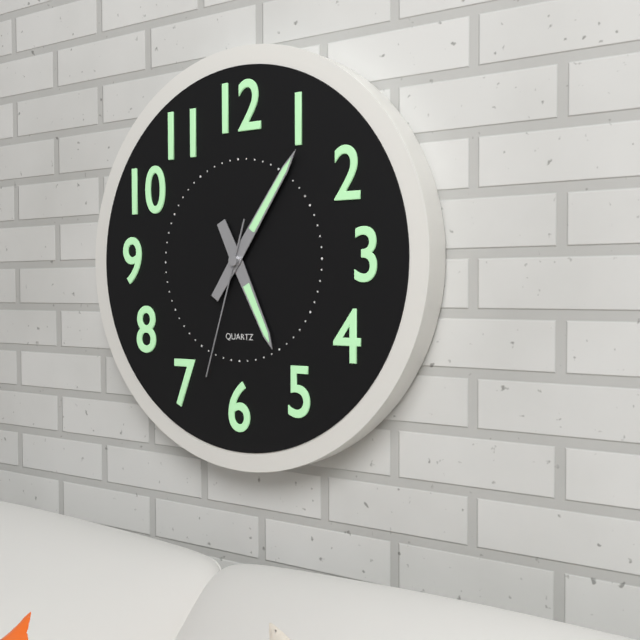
5:06:33
